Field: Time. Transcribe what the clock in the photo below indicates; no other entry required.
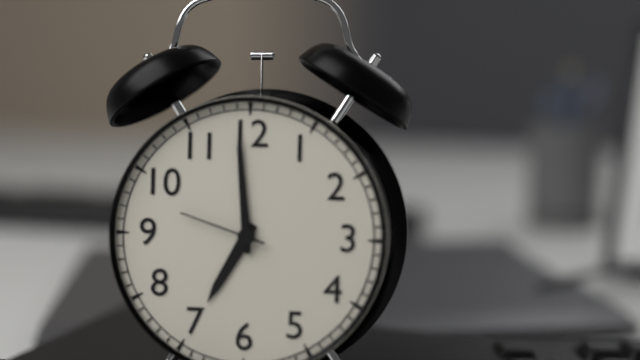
6:59:48
